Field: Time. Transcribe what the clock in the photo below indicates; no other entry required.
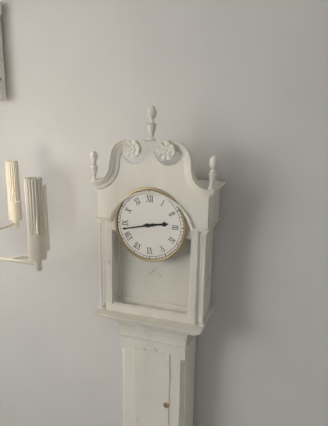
2:43
